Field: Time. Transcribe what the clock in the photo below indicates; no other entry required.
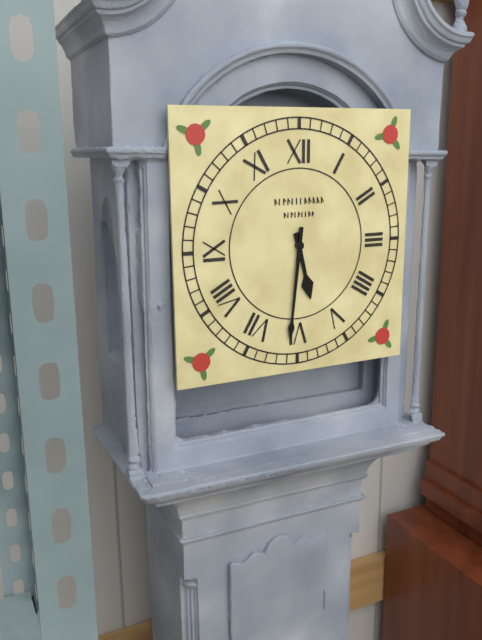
5:31
